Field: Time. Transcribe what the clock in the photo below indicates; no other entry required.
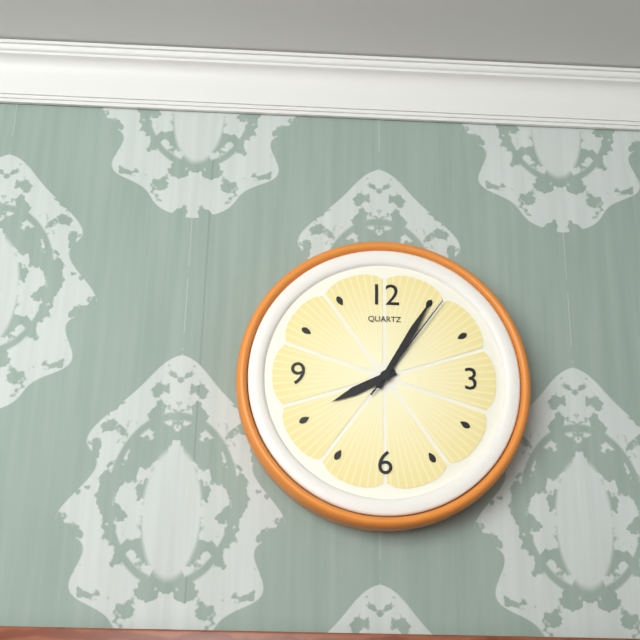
8:05:06
